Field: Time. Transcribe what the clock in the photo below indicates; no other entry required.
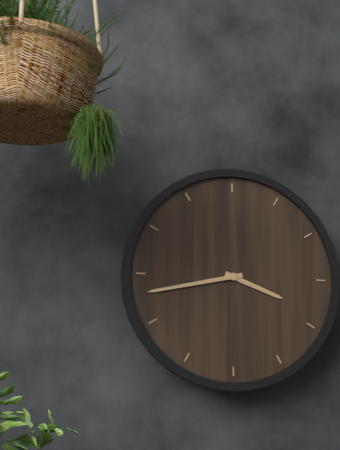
3:43
